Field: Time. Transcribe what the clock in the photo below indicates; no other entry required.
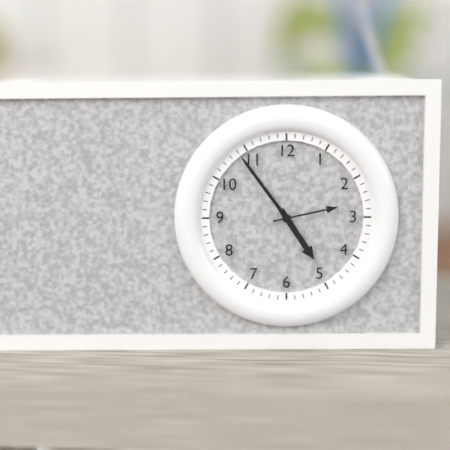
4:54:13
